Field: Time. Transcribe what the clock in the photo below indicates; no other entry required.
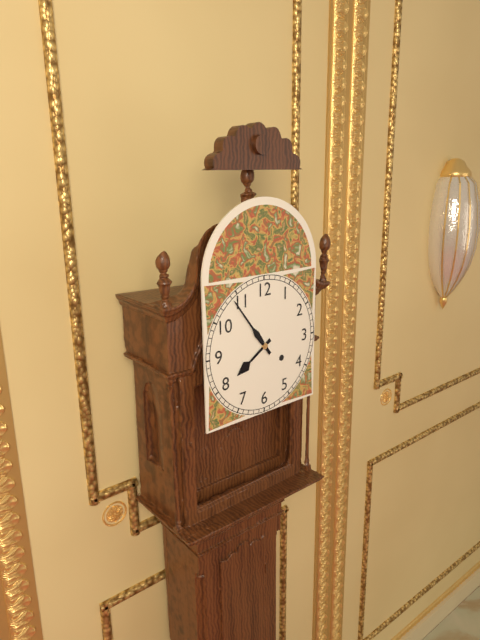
7:54
